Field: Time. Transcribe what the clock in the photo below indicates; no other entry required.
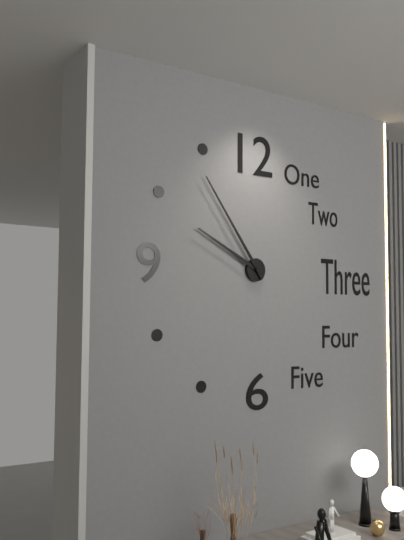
9:54
